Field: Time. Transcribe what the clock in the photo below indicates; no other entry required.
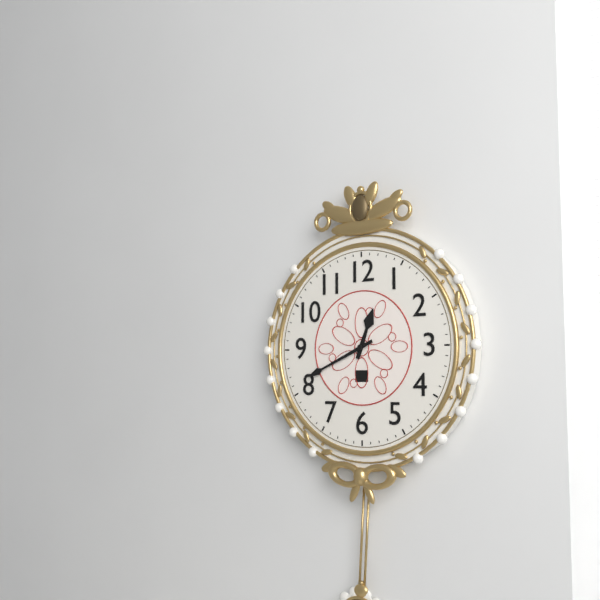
12:41
